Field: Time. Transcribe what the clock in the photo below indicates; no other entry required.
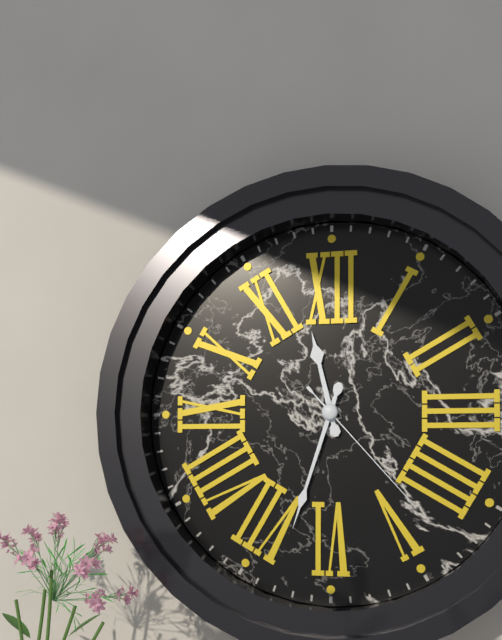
11:33:23
